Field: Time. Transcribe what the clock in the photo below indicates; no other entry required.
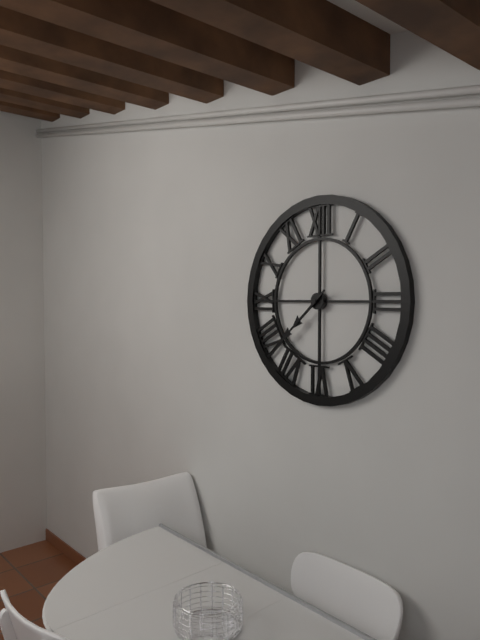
7:38
